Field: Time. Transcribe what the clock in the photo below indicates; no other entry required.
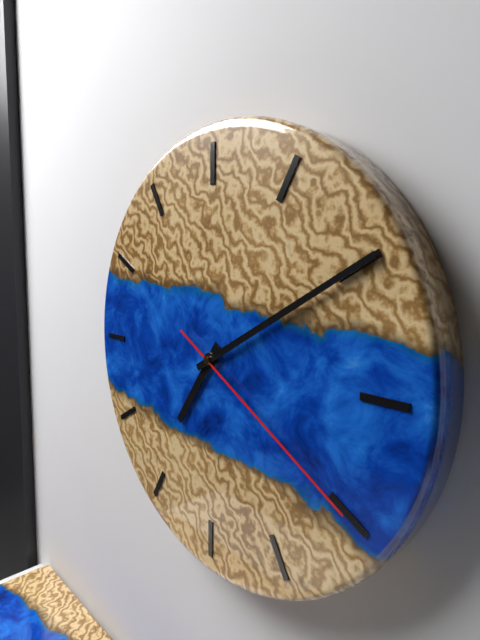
7:10:20
